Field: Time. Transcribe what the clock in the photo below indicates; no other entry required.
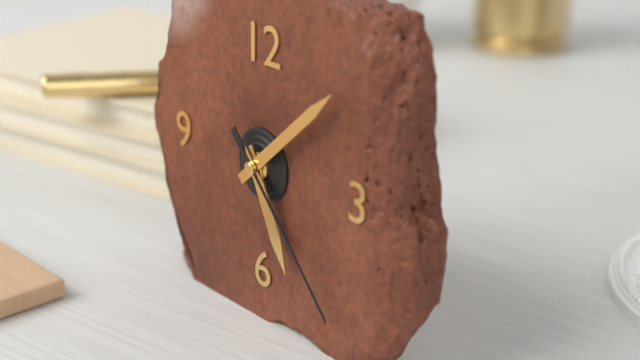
5:08:23
